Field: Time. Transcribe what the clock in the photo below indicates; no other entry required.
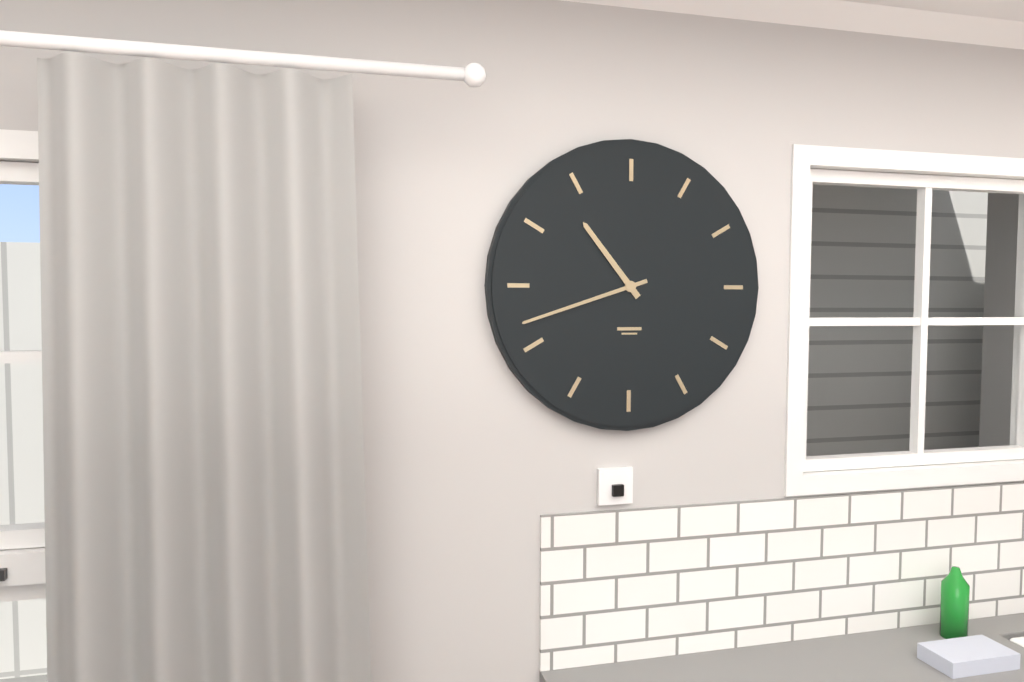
10:42
